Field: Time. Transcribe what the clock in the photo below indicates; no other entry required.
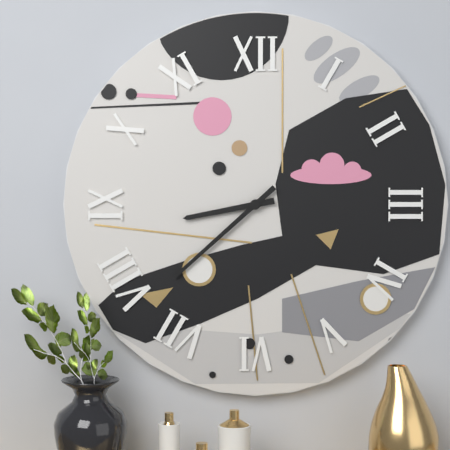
8:38
